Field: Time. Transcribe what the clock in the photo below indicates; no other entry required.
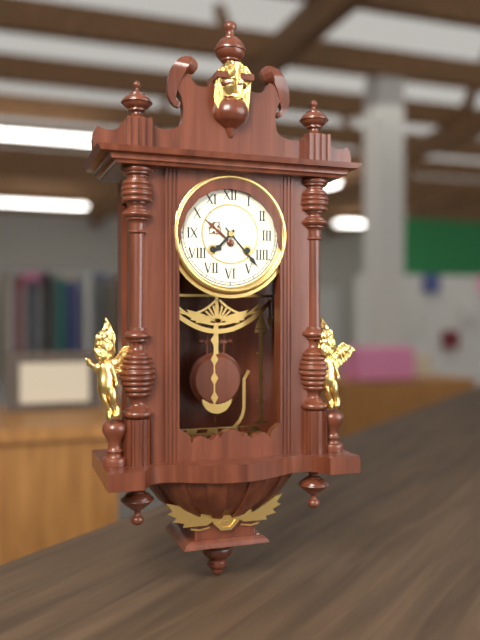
7:23
